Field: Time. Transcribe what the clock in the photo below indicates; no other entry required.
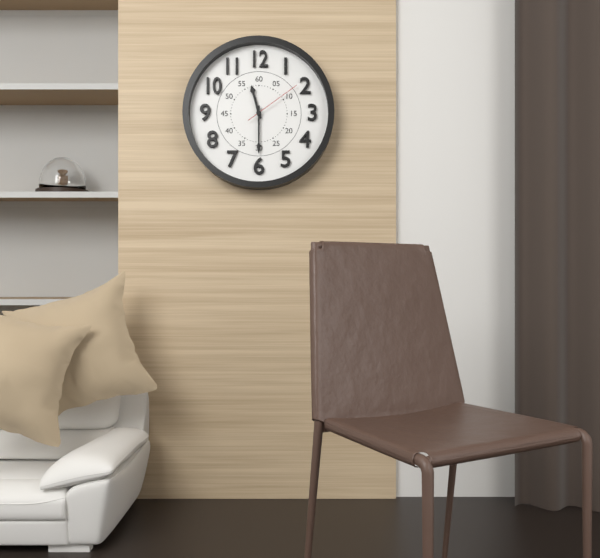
11:30:09
